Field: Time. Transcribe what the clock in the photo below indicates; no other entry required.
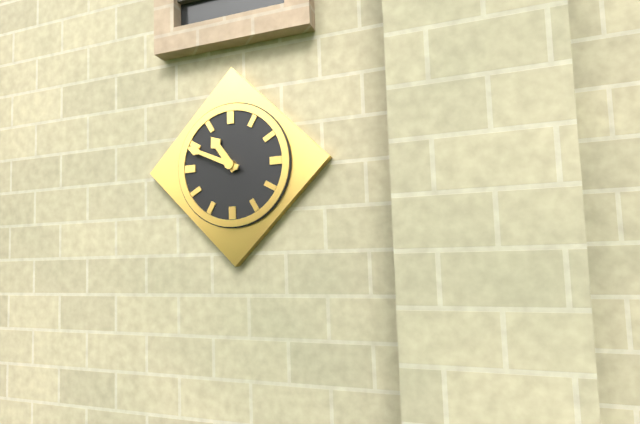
10:49
